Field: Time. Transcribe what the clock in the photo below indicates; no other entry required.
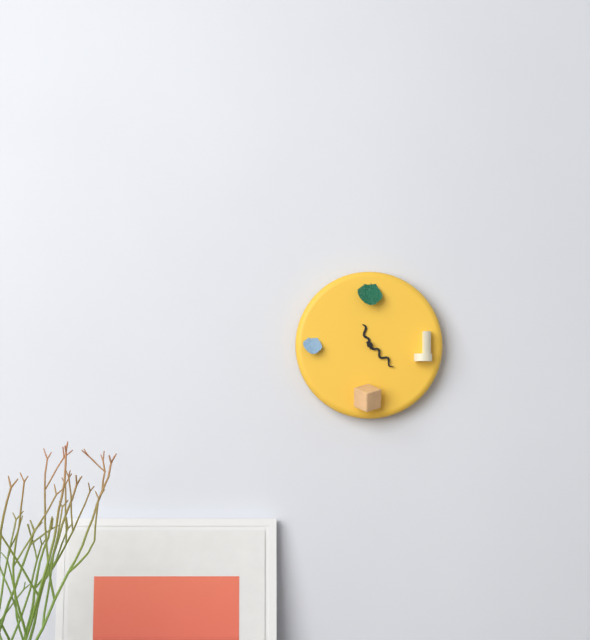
11:22
